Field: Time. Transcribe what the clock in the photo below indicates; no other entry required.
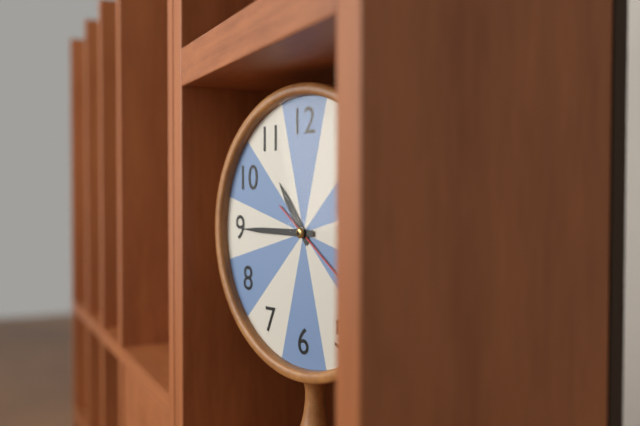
10:45
